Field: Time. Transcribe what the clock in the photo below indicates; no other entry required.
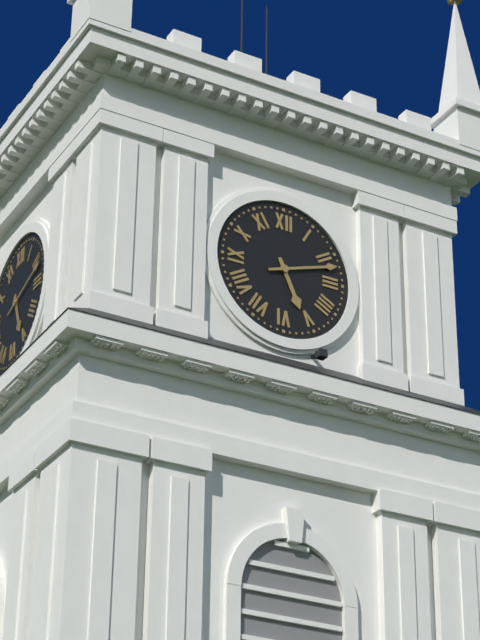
5:12
